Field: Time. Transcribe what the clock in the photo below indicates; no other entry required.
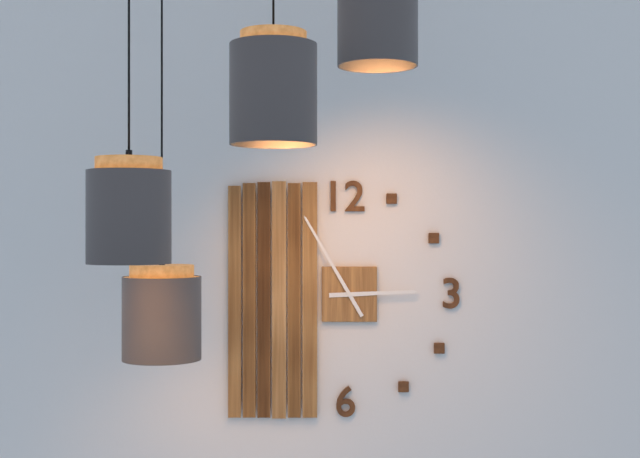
2:55
